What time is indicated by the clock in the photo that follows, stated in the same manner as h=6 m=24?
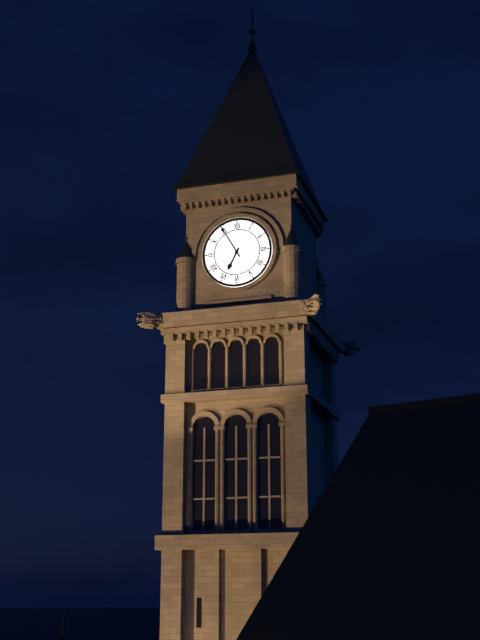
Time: h=6 m=55
